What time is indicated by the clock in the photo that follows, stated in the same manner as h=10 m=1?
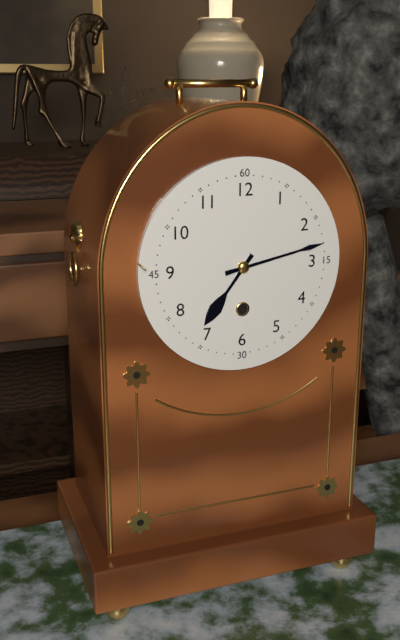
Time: h=7 m=13
